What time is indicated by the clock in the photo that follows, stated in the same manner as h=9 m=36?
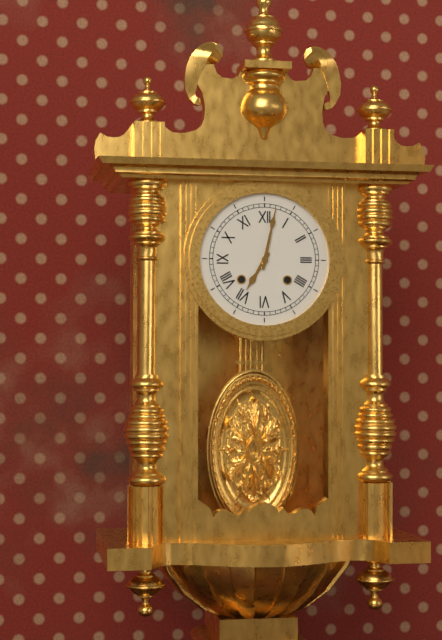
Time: h=7 m=2
